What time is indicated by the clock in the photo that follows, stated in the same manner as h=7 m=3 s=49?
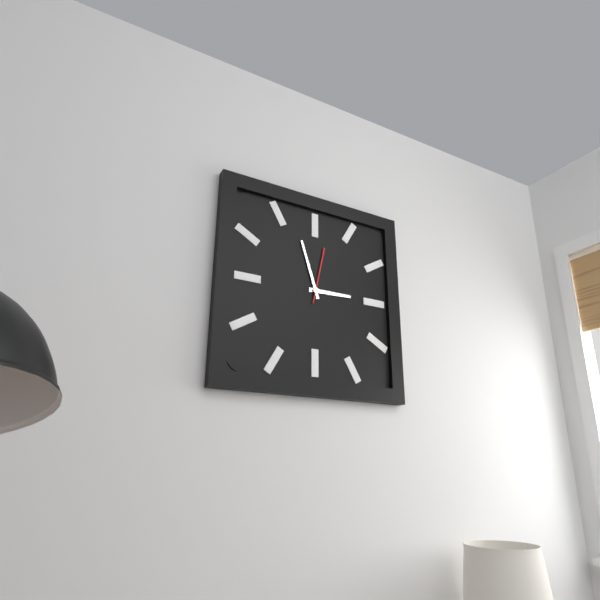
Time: h=2 m=57 s=2
